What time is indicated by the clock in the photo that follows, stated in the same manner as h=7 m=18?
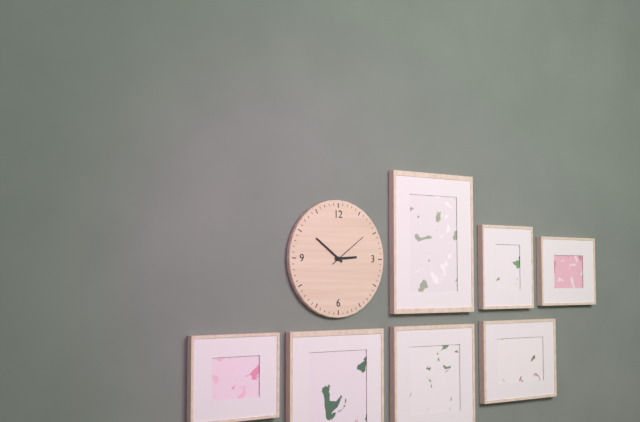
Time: h=2 m=51
